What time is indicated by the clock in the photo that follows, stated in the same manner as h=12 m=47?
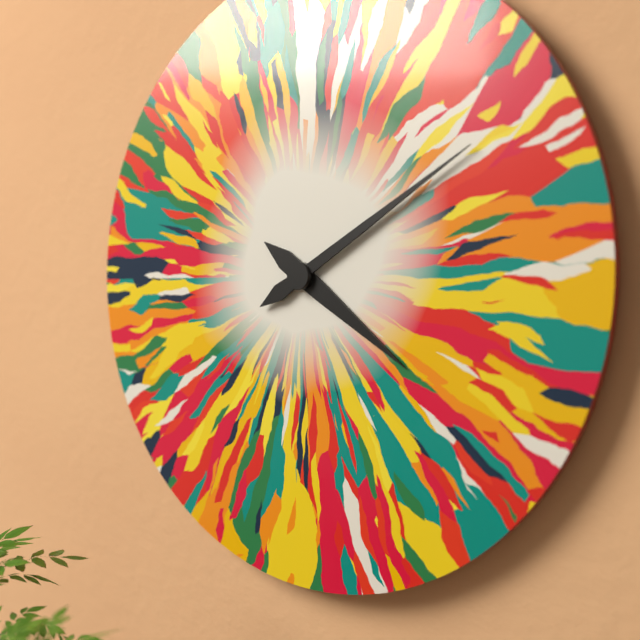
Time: h=4 m=10
